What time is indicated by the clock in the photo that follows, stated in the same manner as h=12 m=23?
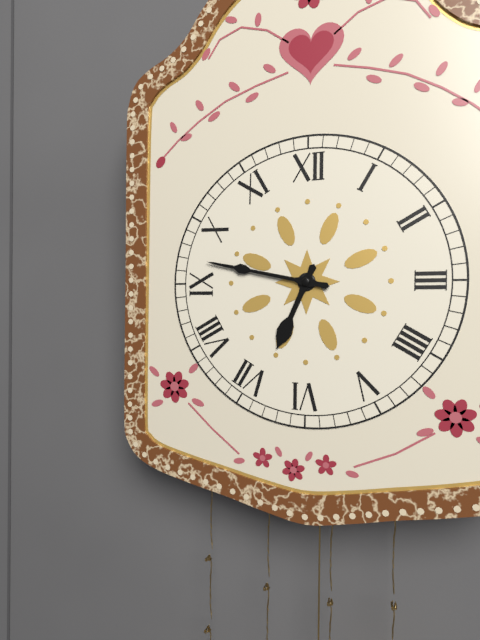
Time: h=6 m=47
